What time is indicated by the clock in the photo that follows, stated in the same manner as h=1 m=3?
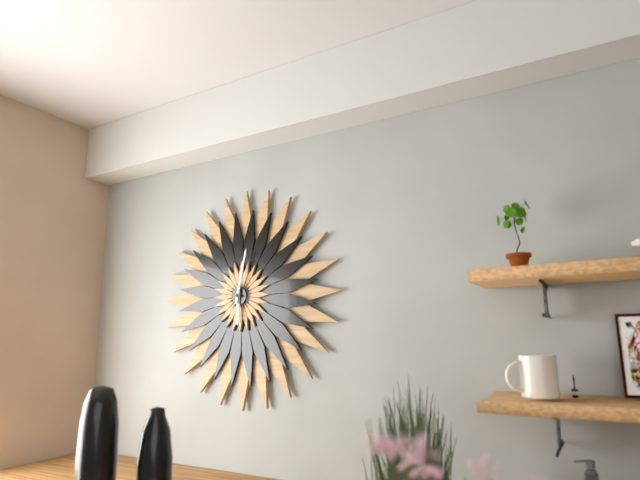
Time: h=6 m=2
